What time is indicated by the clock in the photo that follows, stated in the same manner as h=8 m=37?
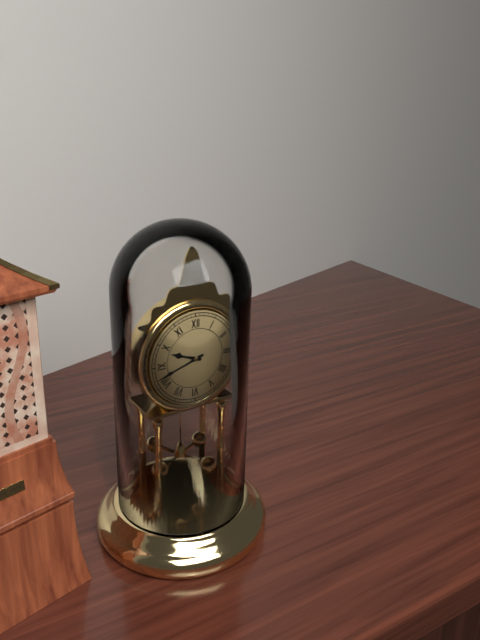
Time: h=9 m=42
